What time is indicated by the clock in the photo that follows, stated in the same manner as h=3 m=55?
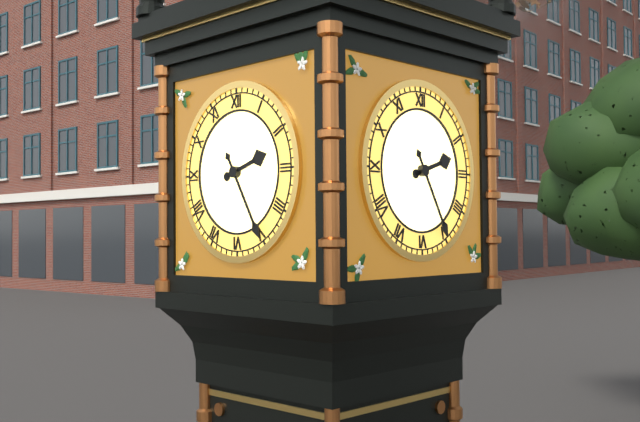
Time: h=2 m=25
